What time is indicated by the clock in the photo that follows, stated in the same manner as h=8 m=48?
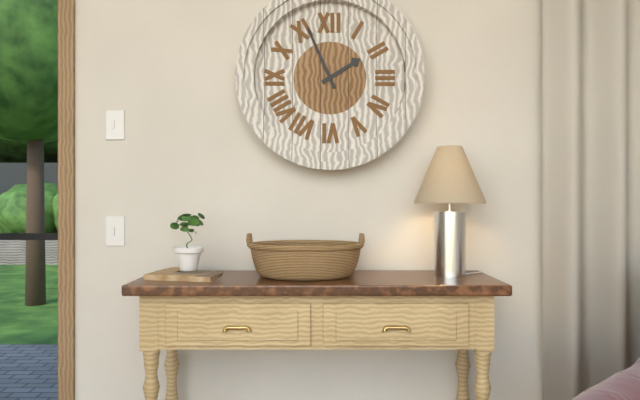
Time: h=1 m=56
